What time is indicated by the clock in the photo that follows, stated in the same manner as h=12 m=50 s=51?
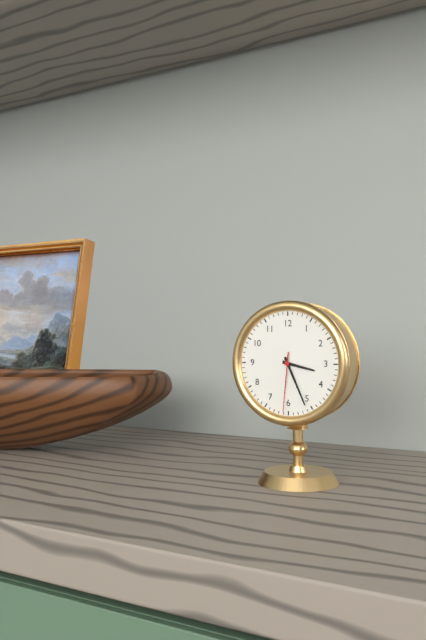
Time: h=3 m=26 s=31
